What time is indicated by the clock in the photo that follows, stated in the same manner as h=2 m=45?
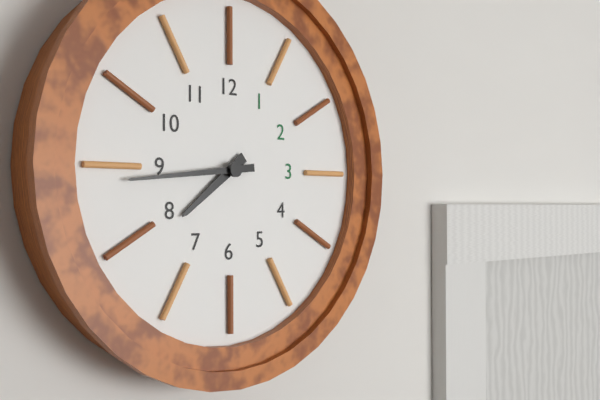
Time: h=7 m=44
